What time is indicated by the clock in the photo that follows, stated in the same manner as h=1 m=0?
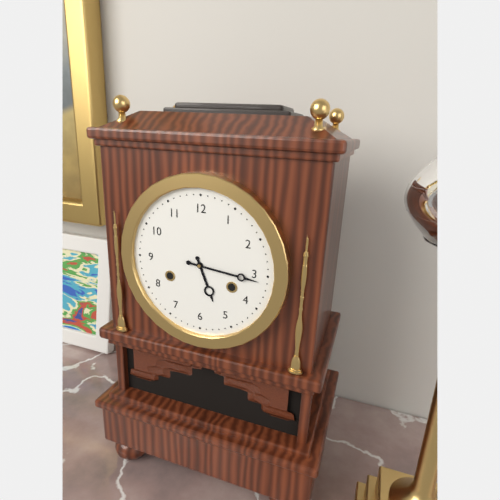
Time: h=5 m=16
